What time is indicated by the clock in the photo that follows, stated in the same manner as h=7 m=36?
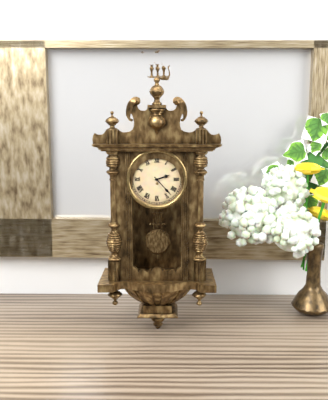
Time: h=2 m=23
